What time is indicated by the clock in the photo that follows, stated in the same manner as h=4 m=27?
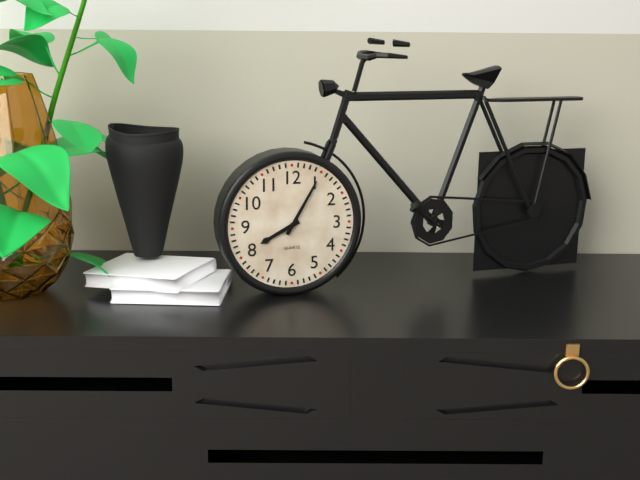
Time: h=8 m=5
